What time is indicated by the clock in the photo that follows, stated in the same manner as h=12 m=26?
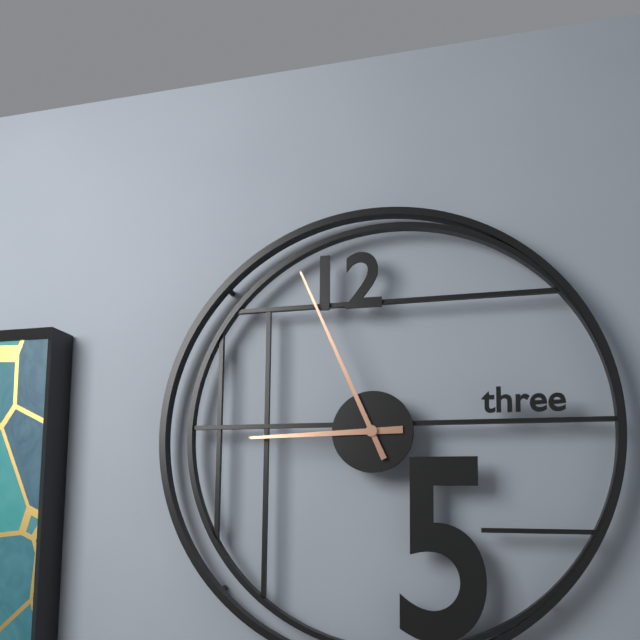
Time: h=8 m=56
